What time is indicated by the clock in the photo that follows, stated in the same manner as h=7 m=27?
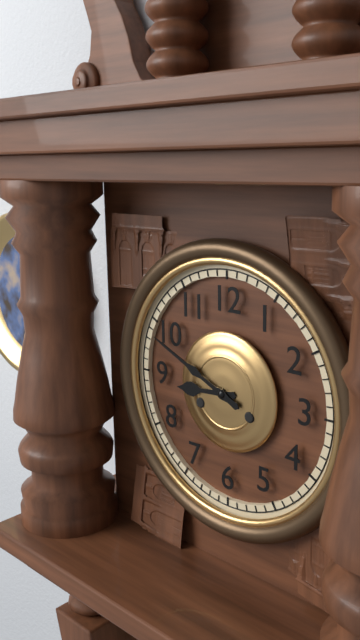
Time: h=8 m=49
